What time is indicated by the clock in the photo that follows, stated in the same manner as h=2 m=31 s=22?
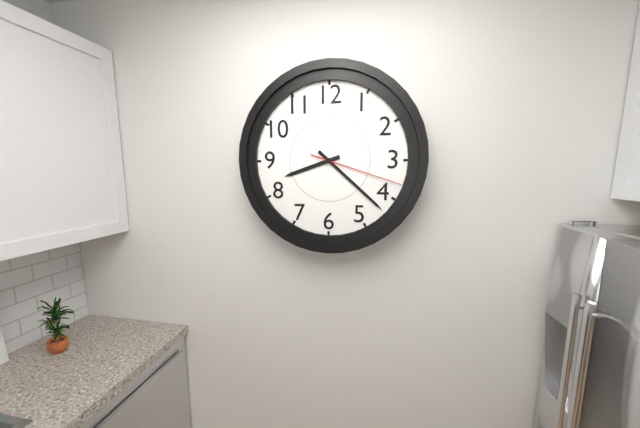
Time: h=8 m=22 s=18
